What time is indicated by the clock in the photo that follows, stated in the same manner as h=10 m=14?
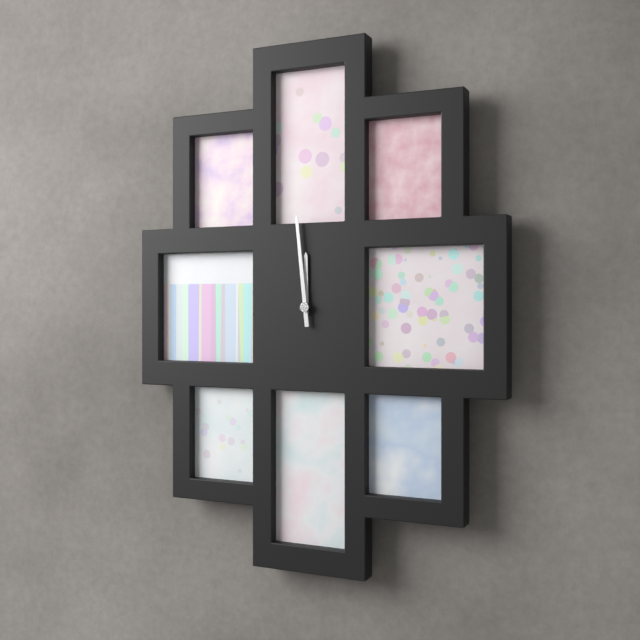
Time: h=11 m=59
